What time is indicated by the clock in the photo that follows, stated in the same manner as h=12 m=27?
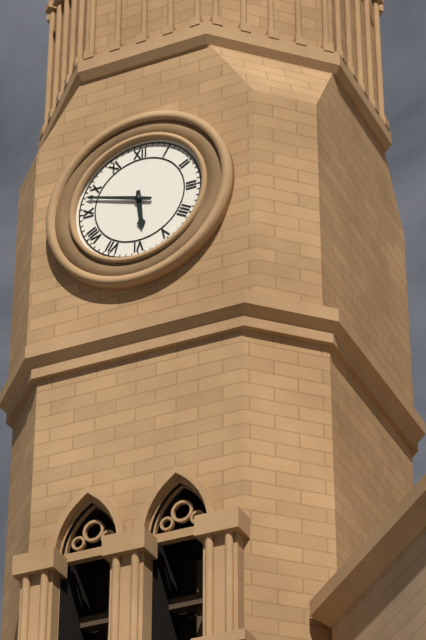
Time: h=5 m=48
